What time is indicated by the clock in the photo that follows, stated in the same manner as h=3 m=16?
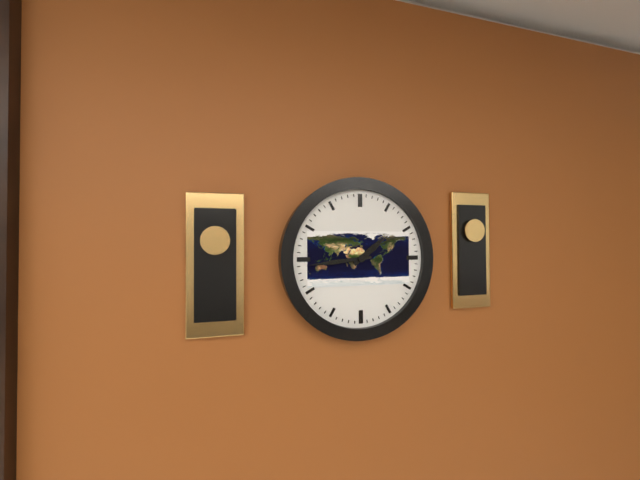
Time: h=1 m=44
